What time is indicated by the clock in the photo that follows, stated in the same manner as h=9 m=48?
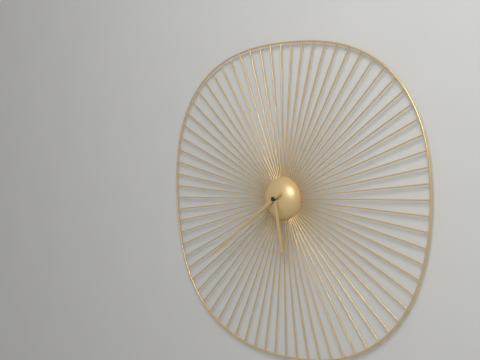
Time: h=5 m=39
